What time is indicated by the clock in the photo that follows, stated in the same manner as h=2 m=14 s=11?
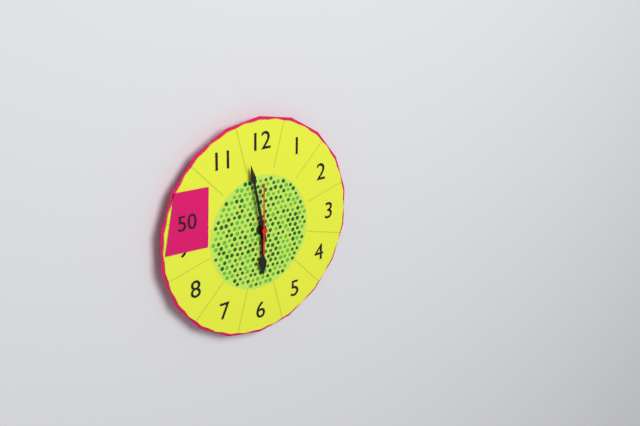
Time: h=5 m=58 s=0
